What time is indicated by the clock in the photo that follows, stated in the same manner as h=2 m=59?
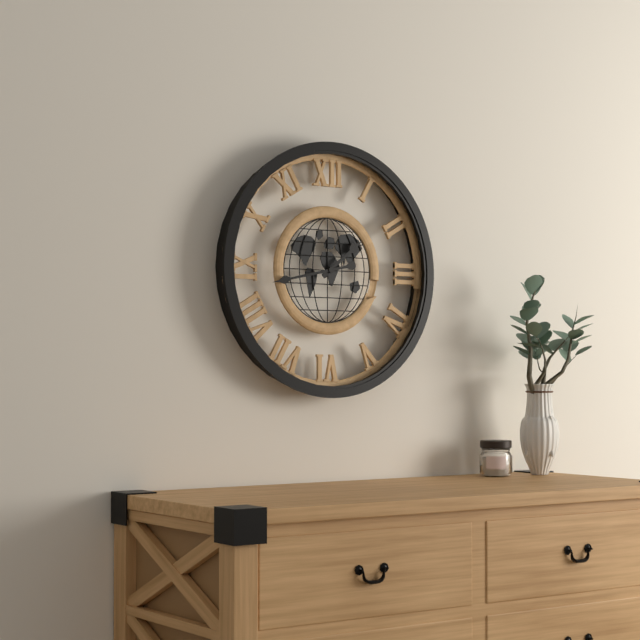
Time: h=1 m=43
